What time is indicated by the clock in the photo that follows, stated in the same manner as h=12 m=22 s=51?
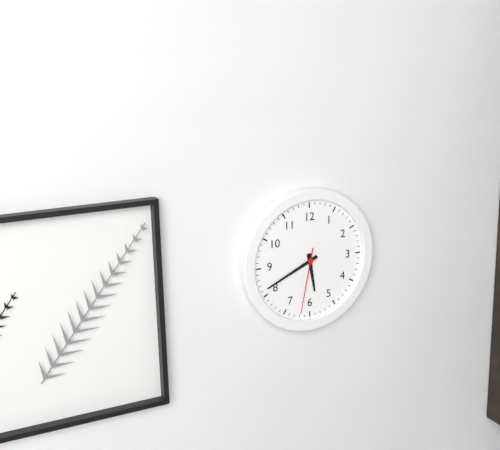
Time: h=5 m=41 s=32
